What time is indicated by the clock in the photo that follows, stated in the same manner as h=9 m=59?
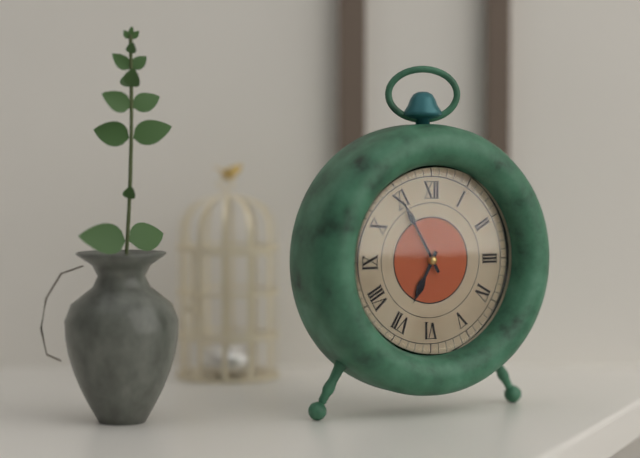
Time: h=6 m=55
